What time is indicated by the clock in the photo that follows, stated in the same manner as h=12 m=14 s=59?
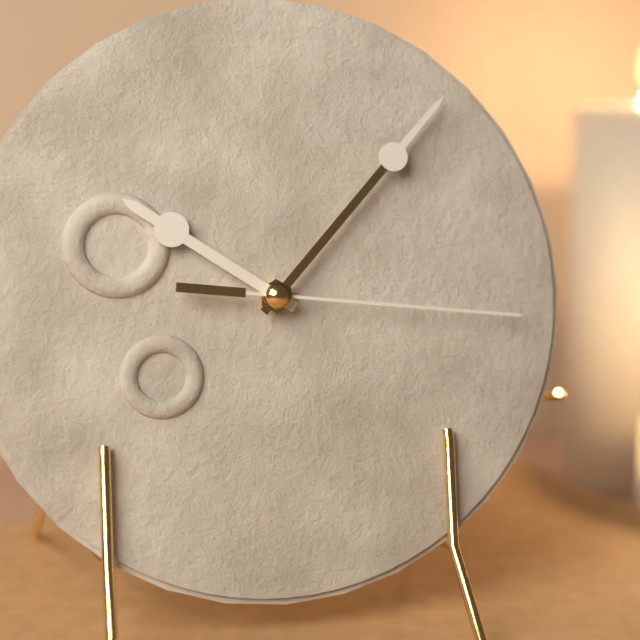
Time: h=10 m=7 s=16
